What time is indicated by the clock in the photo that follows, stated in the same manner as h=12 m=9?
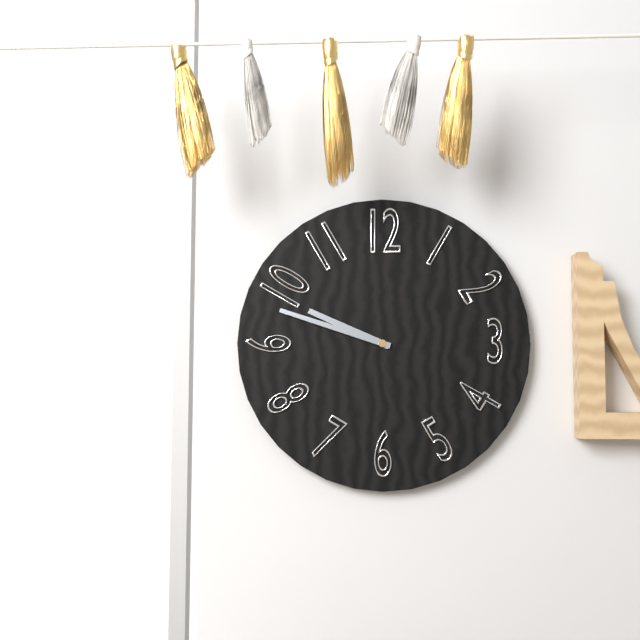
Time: h=9 m=48
